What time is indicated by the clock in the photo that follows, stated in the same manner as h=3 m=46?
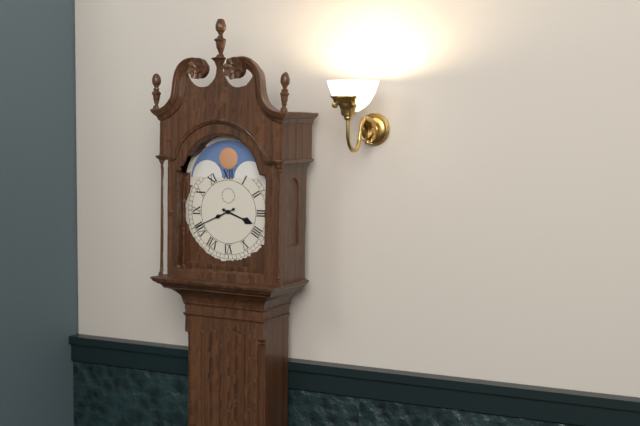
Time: h=3 m=41
